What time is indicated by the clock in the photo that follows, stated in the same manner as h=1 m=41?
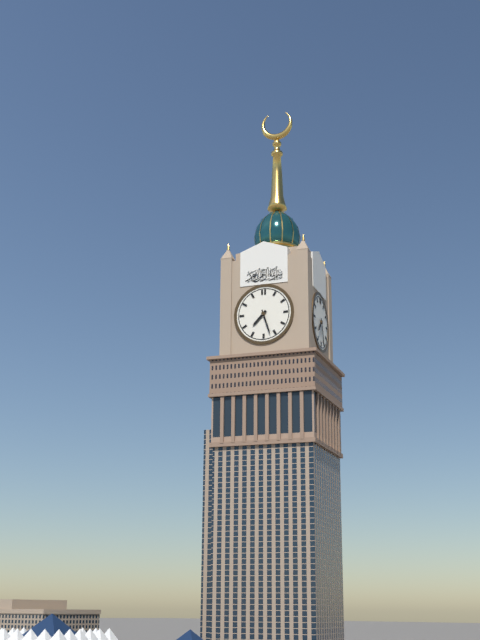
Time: h=7 m=27
